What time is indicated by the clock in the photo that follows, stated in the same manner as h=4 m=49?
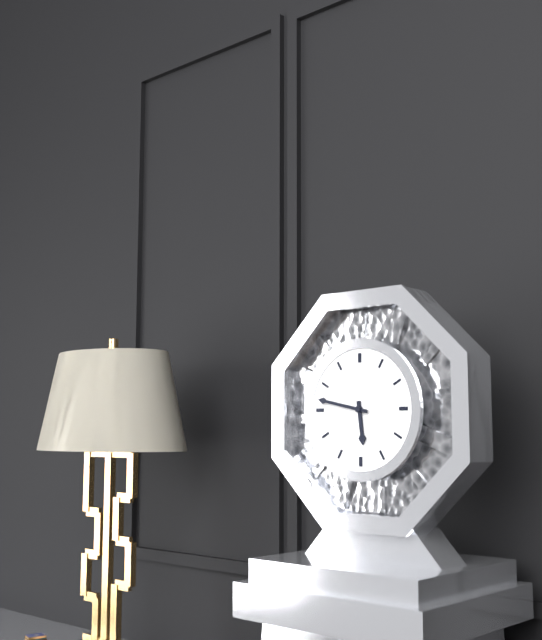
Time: h=5 m=47
